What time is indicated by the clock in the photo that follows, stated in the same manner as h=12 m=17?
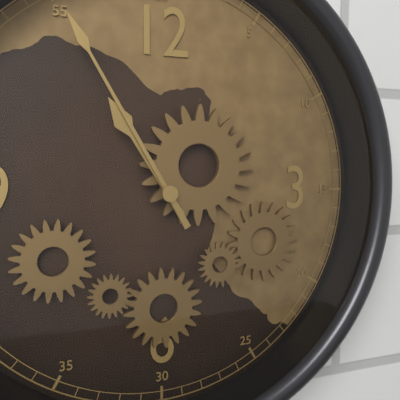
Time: h=10 m=55
